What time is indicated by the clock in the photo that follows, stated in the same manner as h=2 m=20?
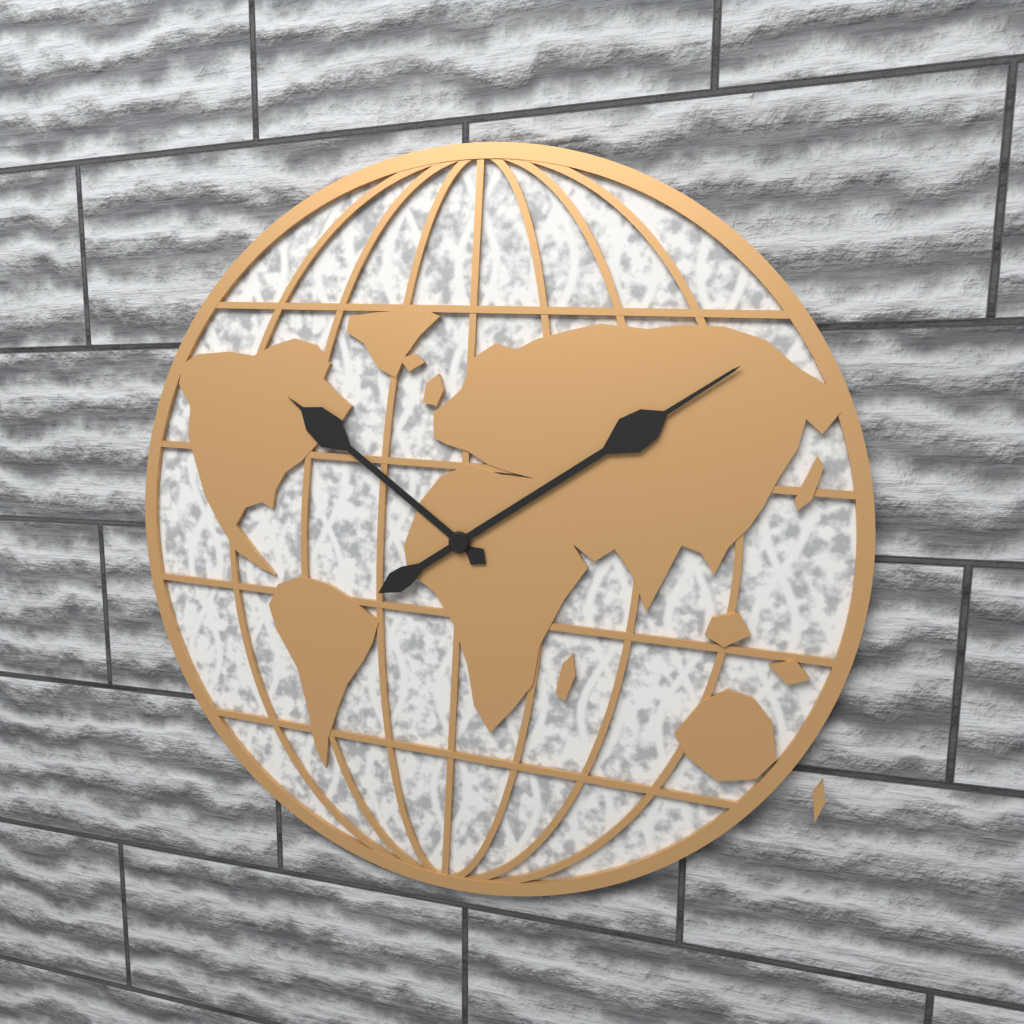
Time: h=10 m=9
